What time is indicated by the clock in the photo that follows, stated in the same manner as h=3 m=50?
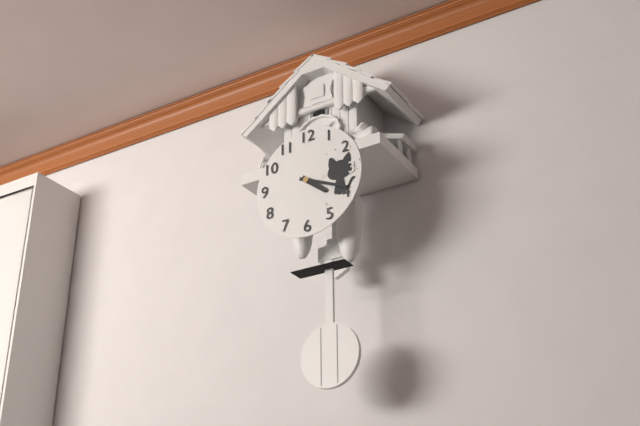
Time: h=4 m=19
